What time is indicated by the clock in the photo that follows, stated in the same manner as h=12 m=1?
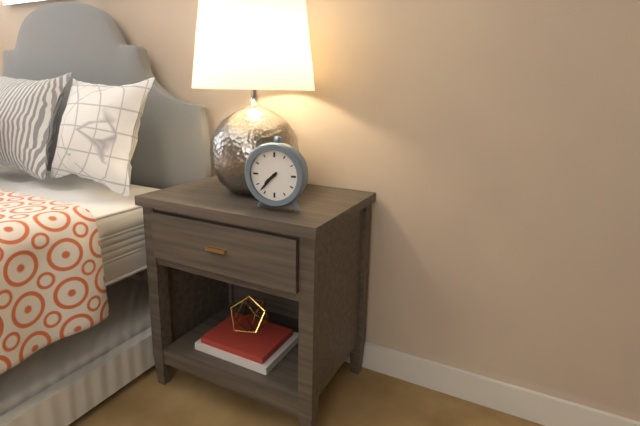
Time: h=7 m=37
